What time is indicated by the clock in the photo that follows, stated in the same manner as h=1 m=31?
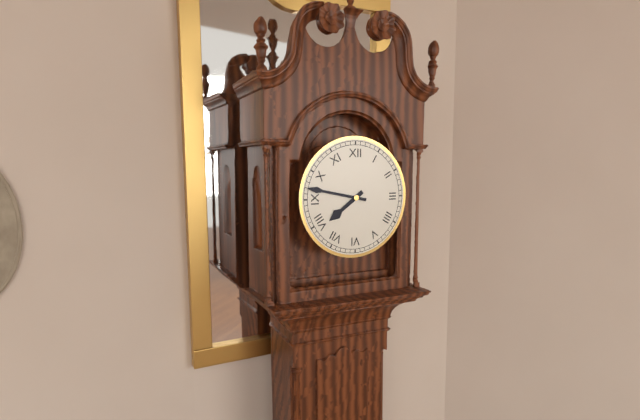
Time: h=7 m=47
